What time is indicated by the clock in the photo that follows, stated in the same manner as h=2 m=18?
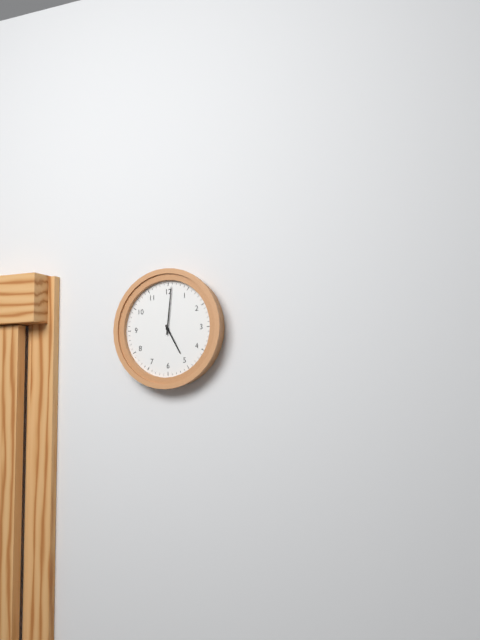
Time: h=5 m=1
